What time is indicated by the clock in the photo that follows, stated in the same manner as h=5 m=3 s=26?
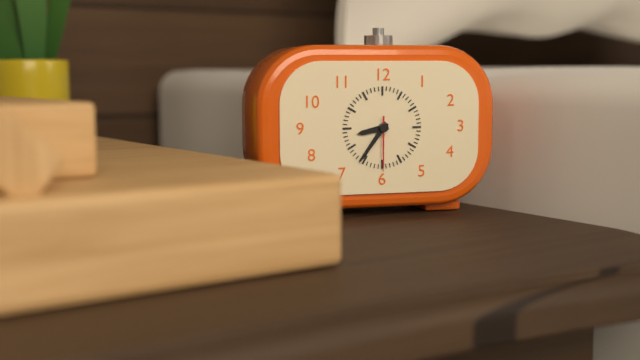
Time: h=8 m=36 s=30
